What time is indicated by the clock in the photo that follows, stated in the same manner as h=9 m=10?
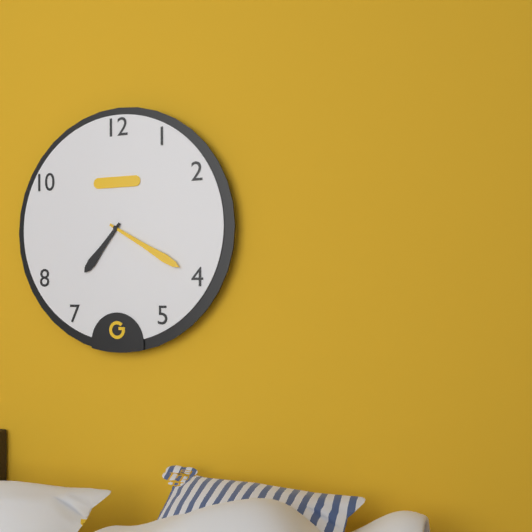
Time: h=7 m=20
